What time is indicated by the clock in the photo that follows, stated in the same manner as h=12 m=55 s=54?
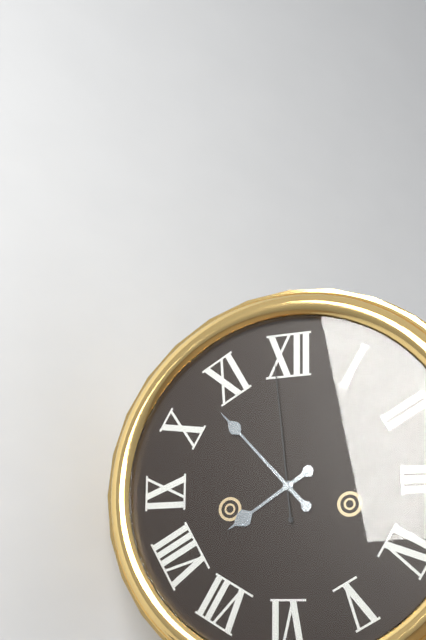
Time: h=7 m=53 s=59
